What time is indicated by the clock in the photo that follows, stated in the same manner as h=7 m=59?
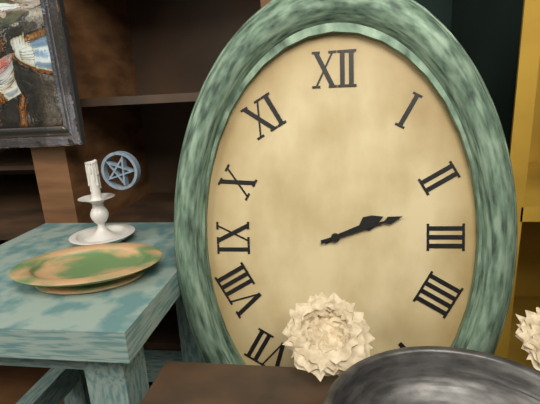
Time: h=2 m=12
